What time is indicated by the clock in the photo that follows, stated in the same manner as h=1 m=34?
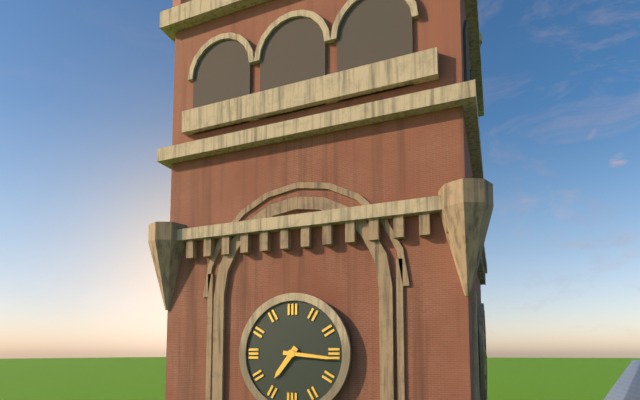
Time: h=7 m=16
